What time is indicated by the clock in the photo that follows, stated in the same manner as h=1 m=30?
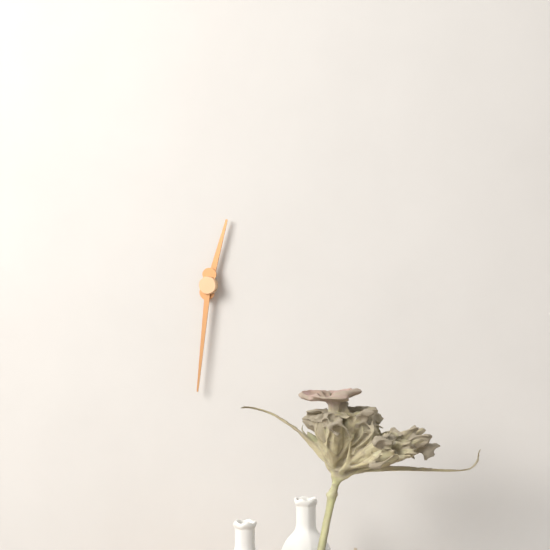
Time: h=12 m=31
